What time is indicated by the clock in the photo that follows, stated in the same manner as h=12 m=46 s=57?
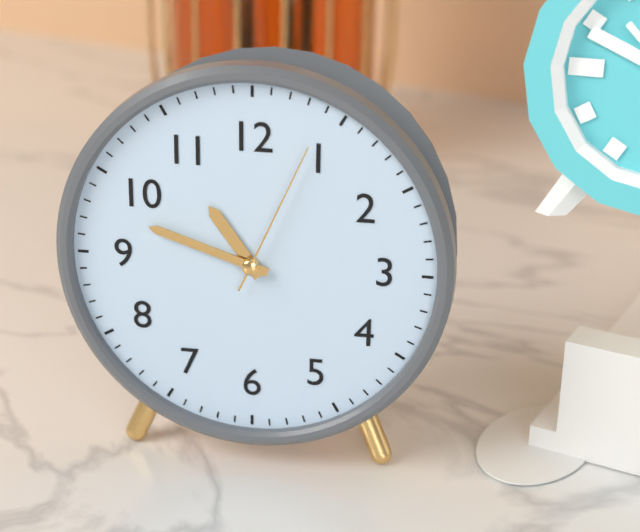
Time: h=10 m=48 s=4
